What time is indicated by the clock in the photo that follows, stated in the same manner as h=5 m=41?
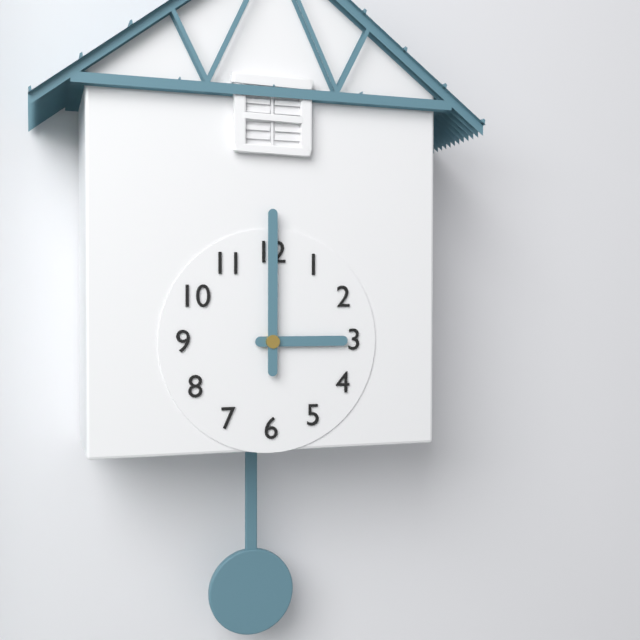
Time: h=3 m=0
